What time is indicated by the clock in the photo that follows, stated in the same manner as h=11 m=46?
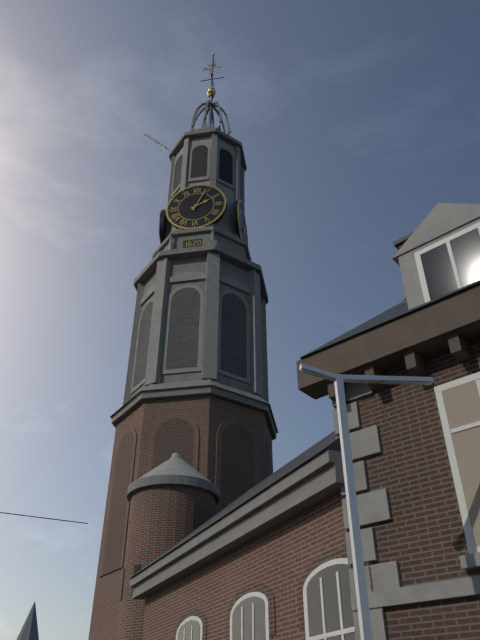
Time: h=2 m=4
